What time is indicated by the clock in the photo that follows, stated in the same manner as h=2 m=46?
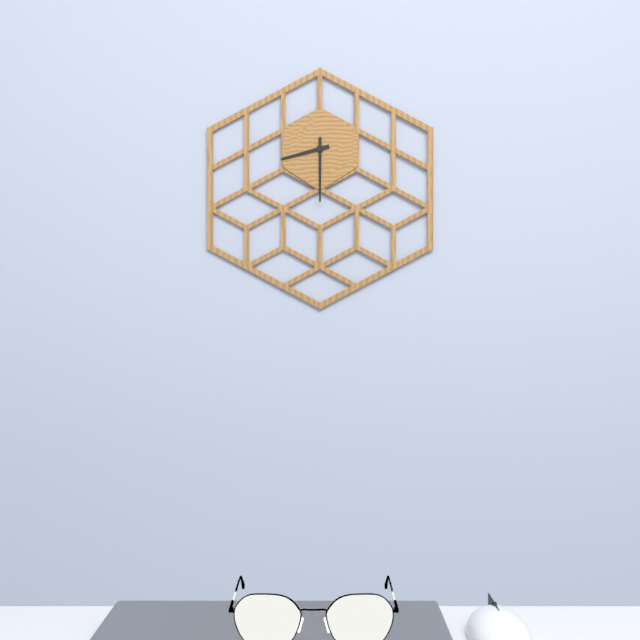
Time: h=8 m=30
